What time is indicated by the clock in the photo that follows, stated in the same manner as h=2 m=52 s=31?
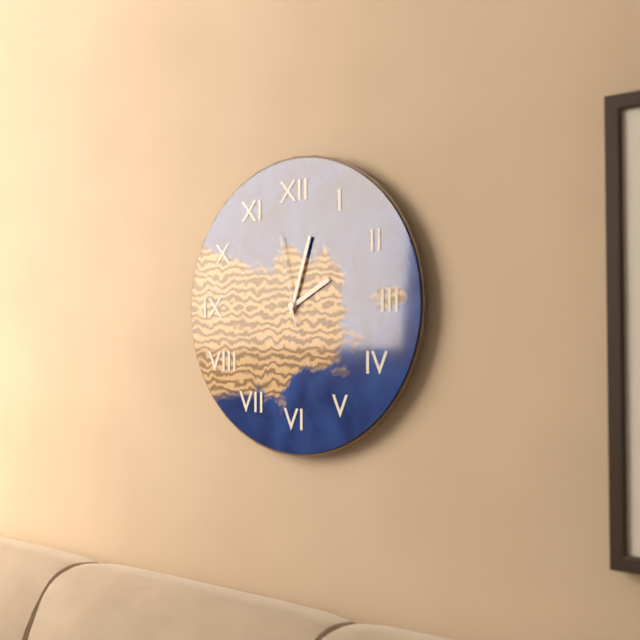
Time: h=2 m=3 s=58
